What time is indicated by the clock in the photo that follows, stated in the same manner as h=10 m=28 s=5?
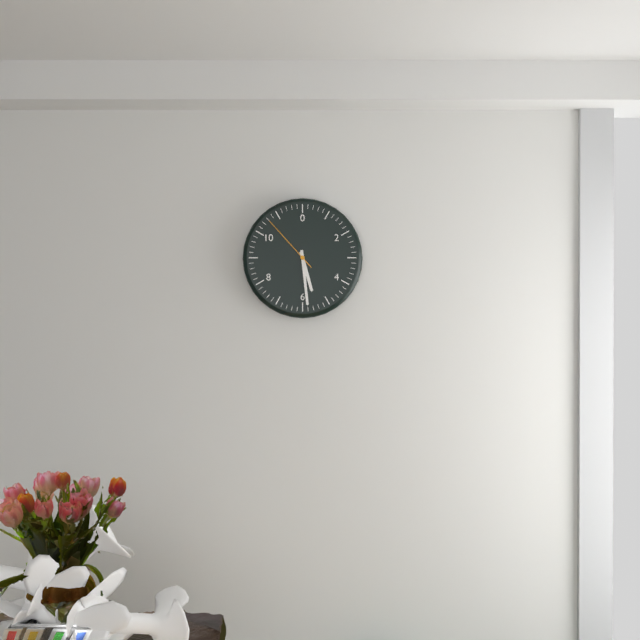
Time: h=5 m=29 s=53
